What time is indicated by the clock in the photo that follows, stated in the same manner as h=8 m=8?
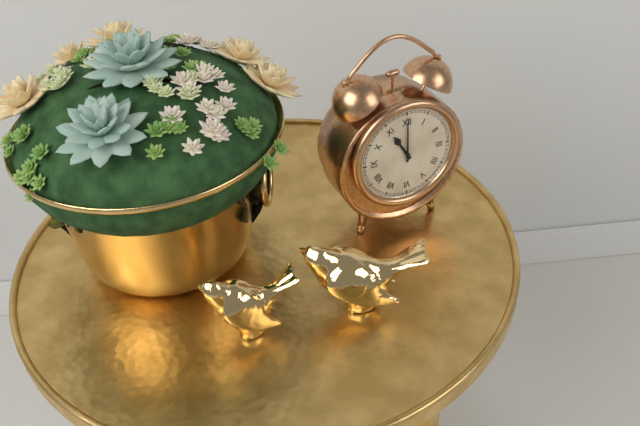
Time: h=11 m=0
